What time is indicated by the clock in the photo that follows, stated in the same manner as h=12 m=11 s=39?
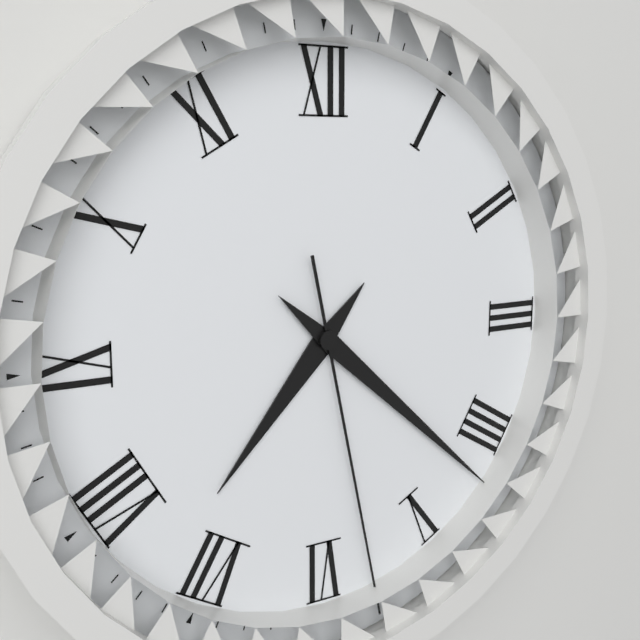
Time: h=7 m=22 s=28
